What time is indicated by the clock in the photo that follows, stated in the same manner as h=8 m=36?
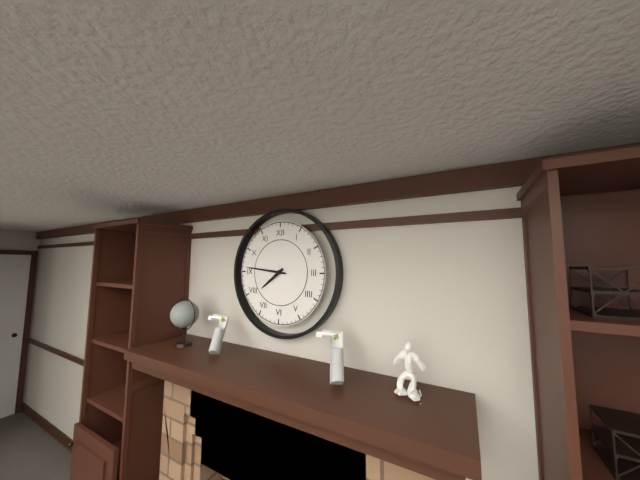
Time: h=7 m=46
